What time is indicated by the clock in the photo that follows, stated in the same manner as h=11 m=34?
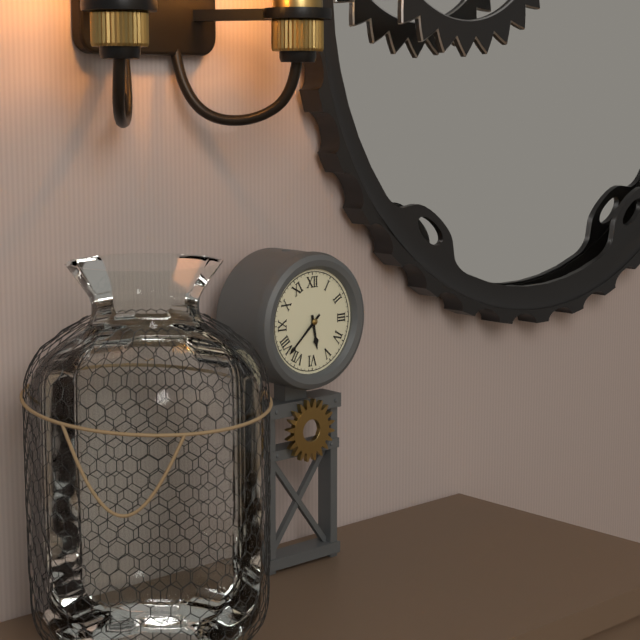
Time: h=5 m=38
